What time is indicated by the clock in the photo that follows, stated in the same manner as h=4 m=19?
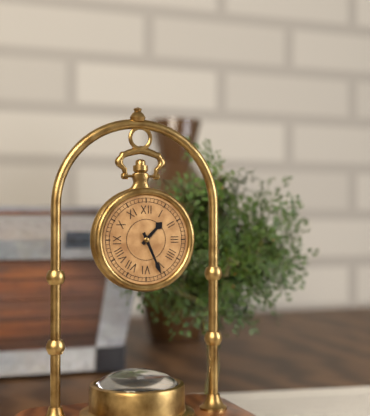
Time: h=1 m=26
